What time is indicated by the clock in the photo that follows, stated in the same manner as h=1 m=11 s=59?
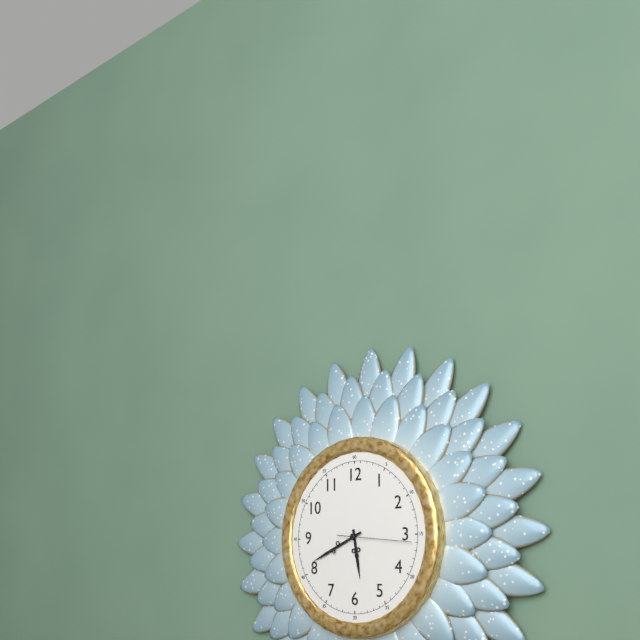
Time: h=5 m=41 s=16
